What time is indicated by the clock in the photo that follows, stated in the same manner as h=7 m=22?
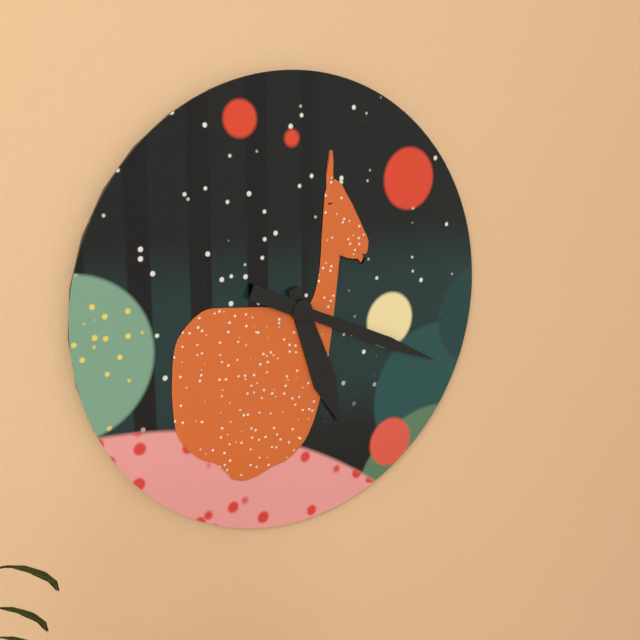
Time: h=5 m=19
